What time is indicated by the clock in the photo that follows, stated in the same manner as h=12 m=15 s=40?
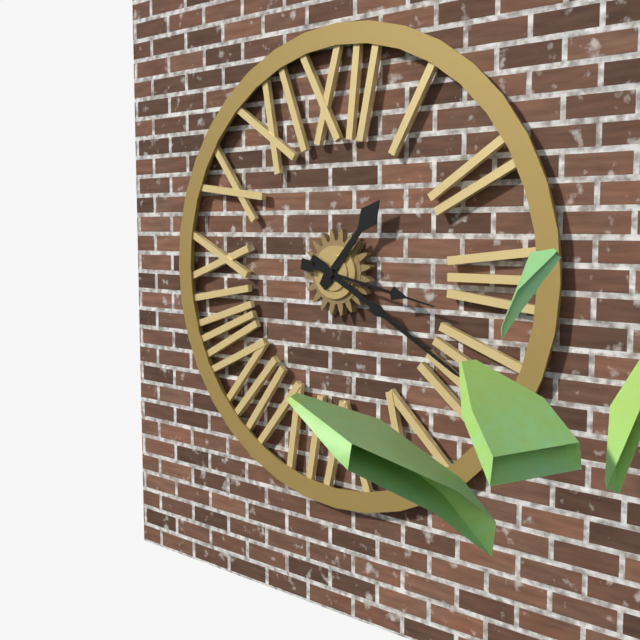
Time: h=1 m=20 s=17
